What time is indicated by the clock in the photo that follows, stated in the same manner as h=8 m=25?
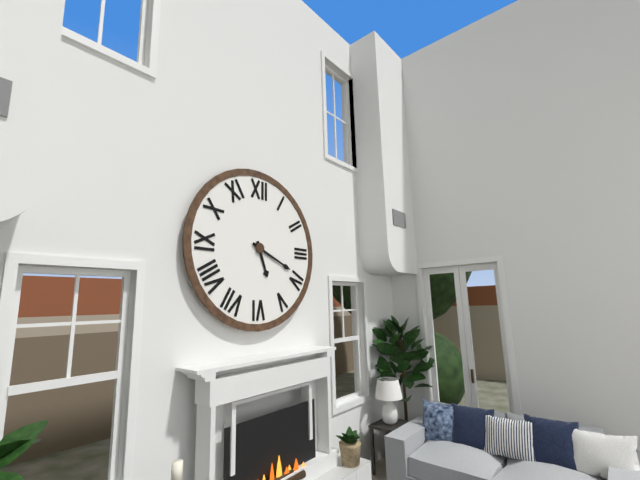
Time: h=5 m=19
